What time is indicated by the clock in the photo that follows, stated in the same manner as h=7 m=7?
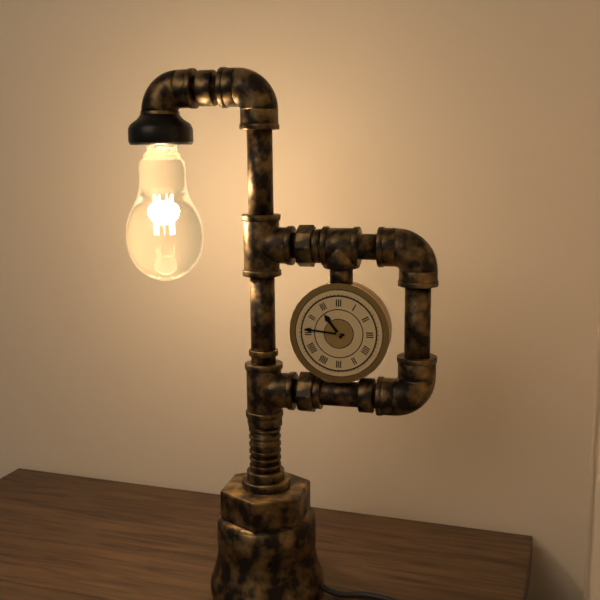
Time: h=10 m=46
